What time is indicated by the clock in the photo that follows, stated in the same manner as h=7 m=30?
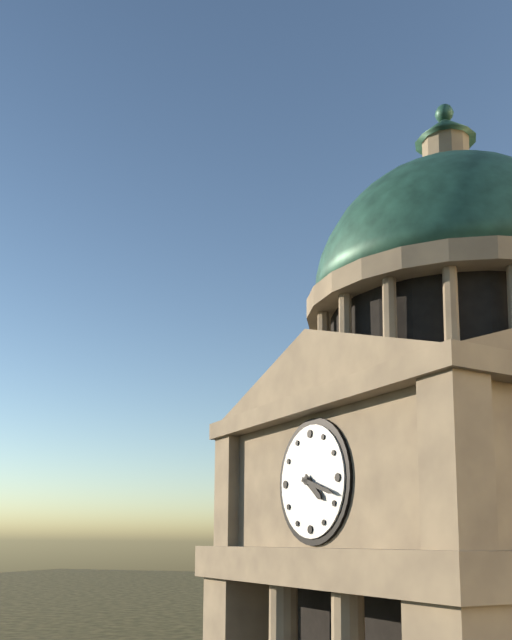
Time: h=4 m=18
